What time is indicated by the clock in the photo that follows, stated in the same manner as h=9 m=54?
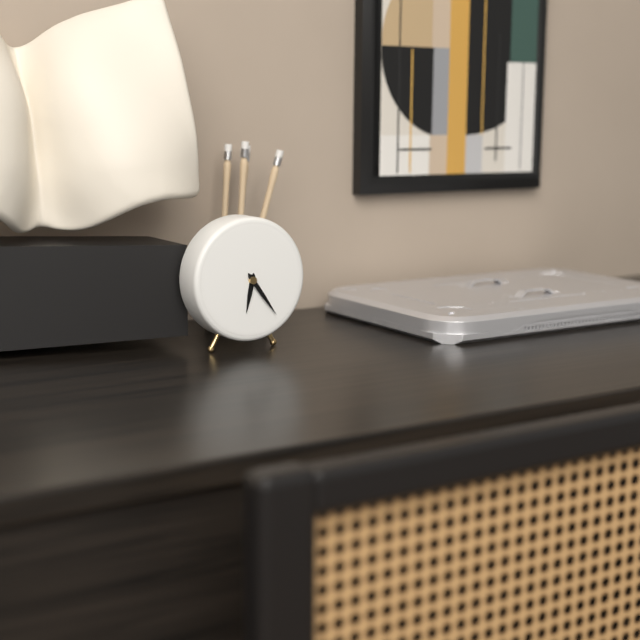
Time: h=6 m=24
